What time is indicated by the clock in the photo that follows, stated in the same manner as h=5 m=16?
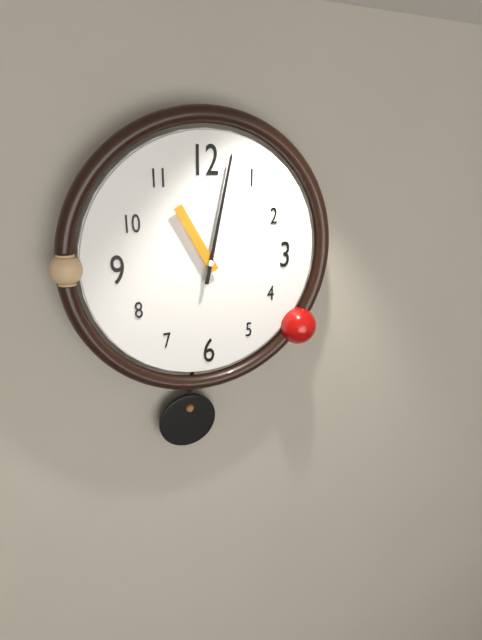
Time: h=11 m=2
